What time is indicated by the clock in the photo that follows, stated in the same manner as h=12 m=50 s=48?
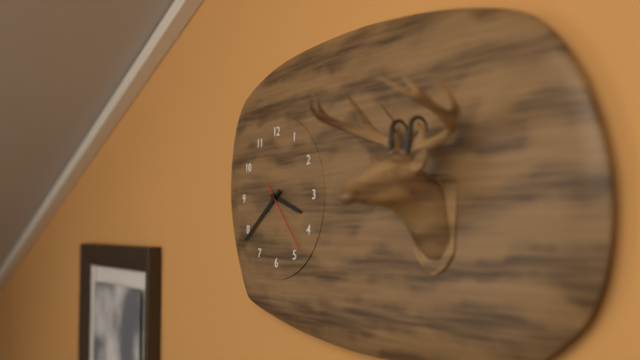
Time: h=3 m=39 s=23
